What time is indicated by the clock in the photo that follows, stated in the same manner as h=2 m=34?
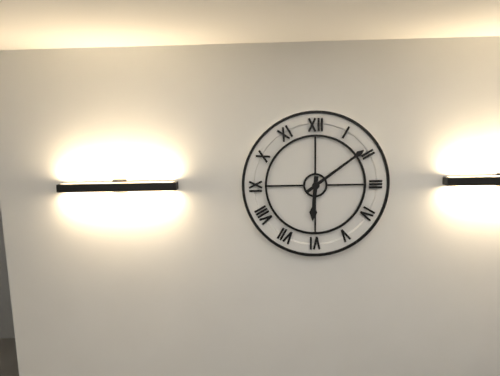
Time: h=6 m=9
